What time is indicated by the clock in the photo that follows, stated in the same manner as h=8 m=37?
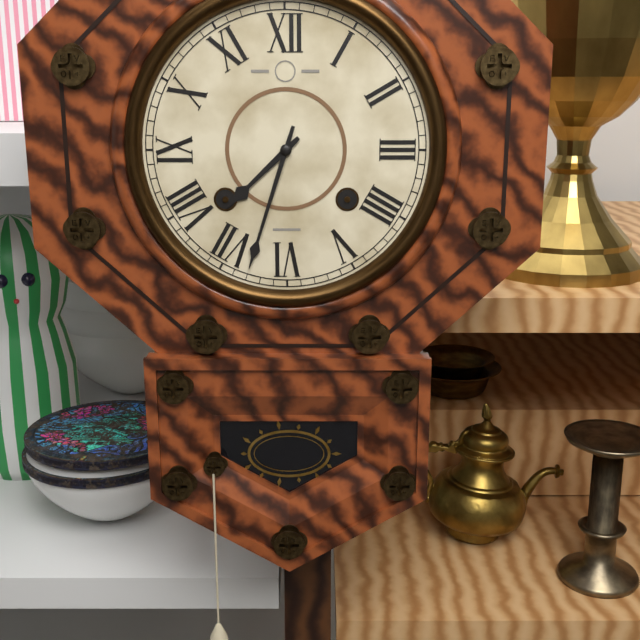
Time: h=7 m=33
